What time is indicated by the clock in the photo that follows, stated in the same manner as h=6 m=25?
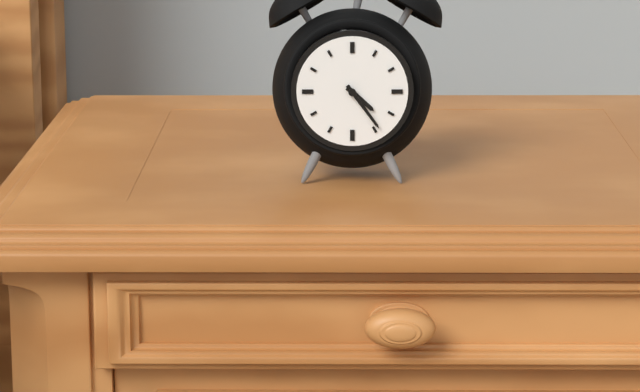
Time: h=4 m=24
